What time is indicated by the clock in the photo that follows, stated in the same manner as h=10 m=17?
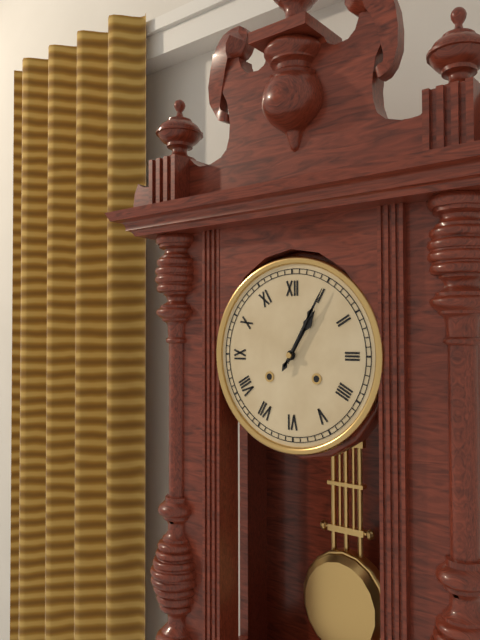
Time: h=1 m=5
